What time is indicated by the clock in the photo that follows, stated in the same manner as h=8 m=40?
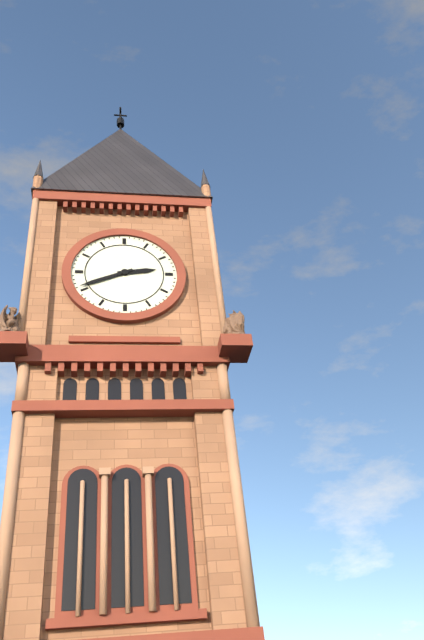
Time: h=2 m=41
